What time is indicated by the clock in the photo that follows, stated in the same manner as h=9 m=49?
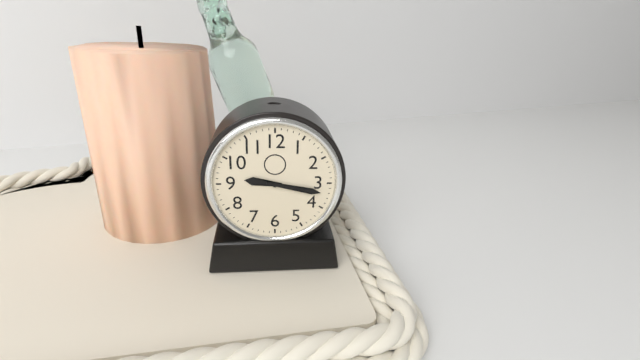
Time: h=9 m=17
